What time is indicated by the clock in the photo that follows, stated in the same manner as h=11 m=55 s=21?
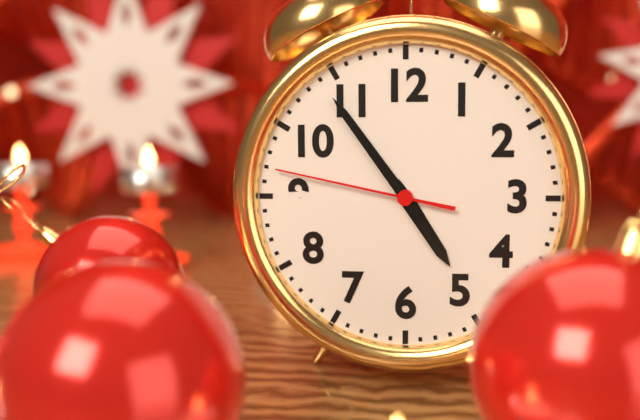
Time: h=4 m=54 s=47
